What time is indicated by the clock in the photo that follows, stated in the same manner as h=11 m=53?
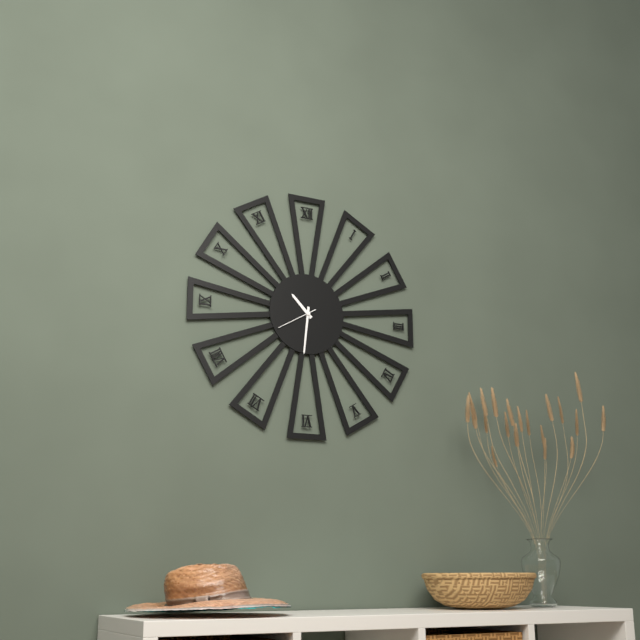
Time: h=10 m=31
